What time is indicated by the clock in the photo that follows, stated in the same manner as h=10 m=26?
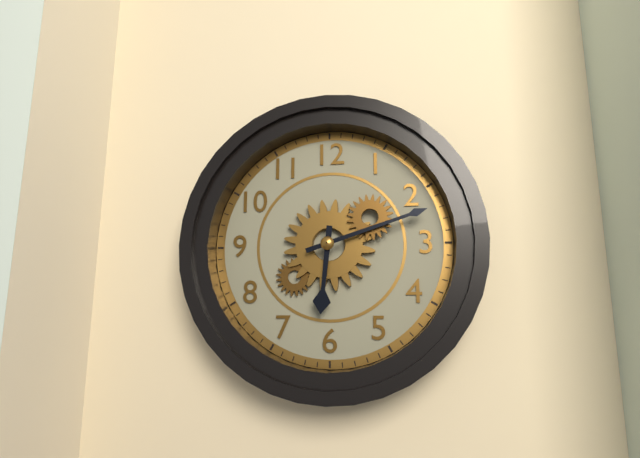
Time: h=6 m=12
